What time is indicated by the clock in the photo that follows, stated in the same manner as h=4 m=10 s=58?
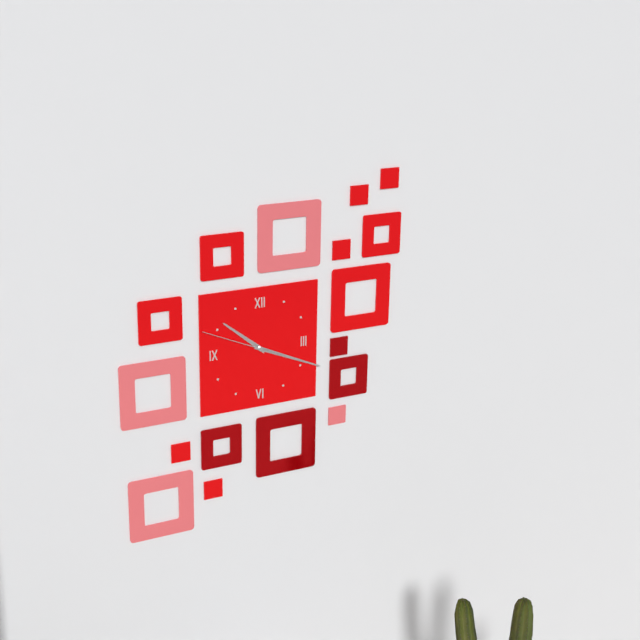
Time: h=10 m=19 s=49
